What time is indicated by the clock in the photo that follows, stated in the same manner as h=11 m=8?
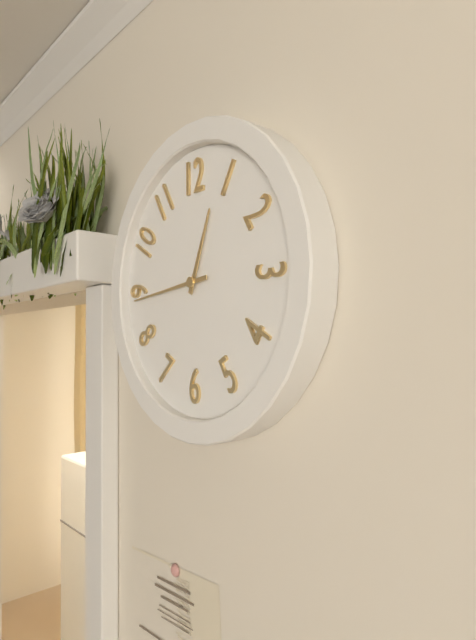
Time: h=12 m=44
